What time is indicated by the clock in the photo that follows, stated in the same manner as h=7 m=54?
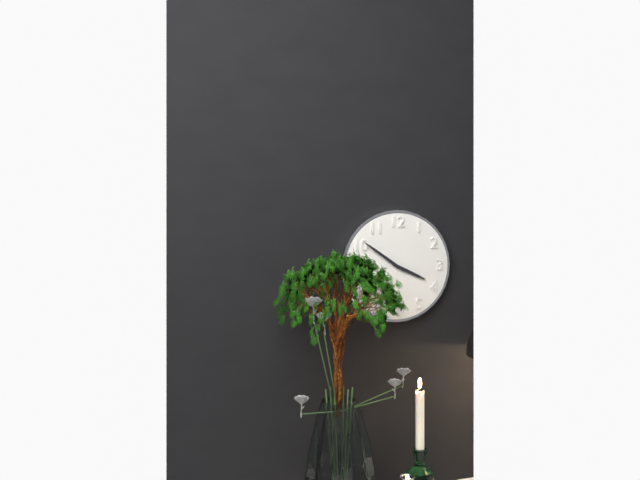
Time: h=3 m=51
